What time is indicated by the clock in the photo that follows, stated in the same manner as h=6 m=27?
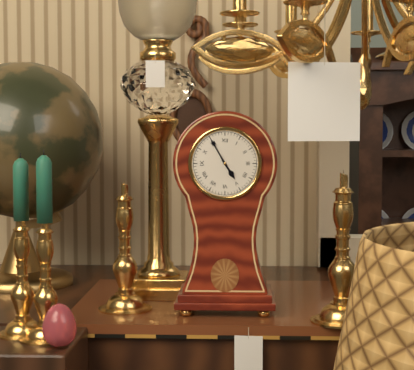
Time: h=4 m=55
